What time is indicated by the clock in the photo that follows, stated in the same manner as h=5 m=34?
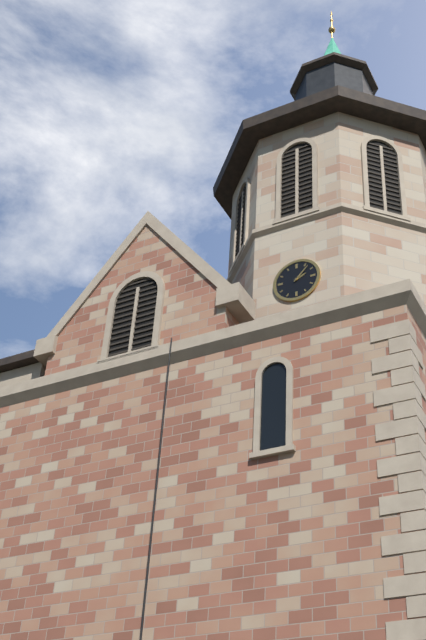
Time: h=2 m=7
